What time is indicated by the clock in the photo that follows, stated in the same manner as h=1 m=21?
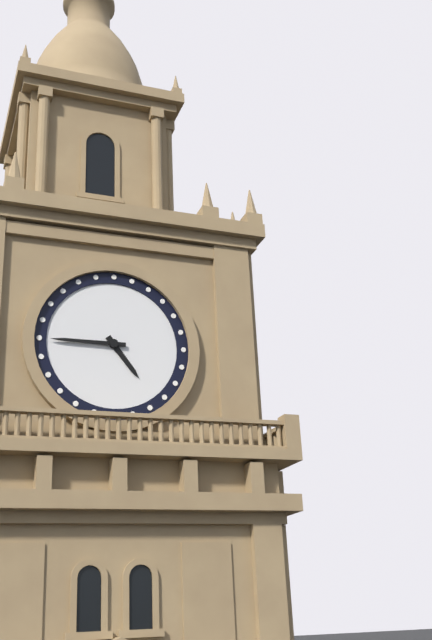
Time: h=4 m=45
